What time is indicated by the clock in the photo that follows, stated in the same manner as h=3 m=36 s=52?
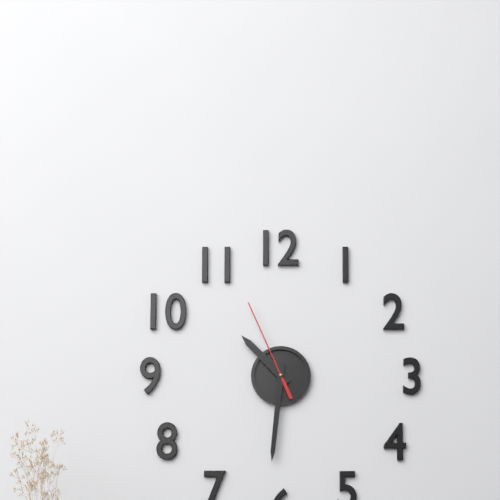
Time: h=10 m=31 s=56
